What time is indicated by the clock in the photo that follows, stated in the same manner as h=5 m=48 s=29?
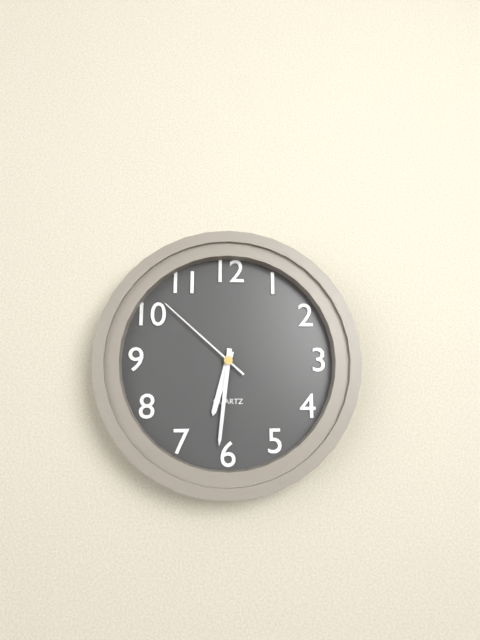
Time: h=6 m=31 s=52
